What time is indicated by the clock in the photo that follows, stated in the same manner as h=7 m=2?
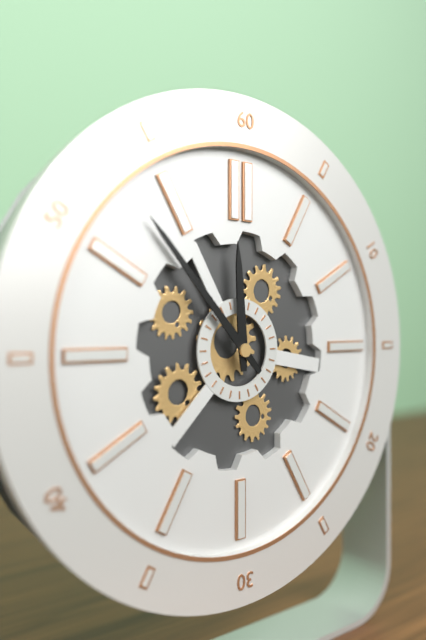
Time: h=11 m=53
